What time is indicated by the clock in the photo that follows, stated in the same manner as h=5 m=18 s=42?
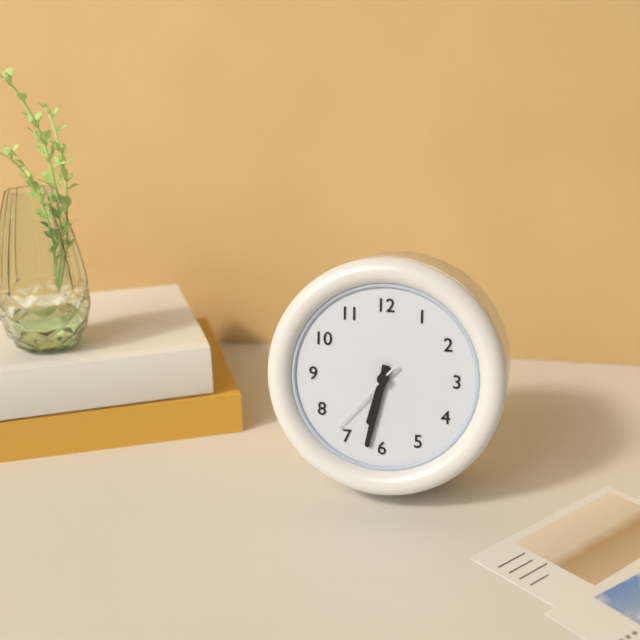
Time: h=6 m=32 s=37
